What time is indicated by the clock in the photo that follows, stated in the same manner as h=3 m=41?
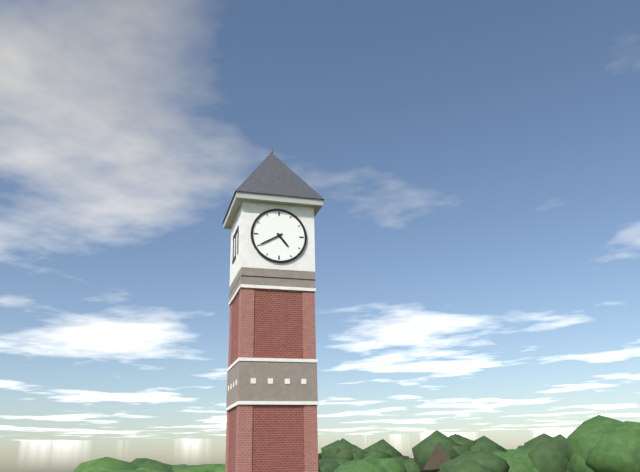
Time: h=4 m=40
